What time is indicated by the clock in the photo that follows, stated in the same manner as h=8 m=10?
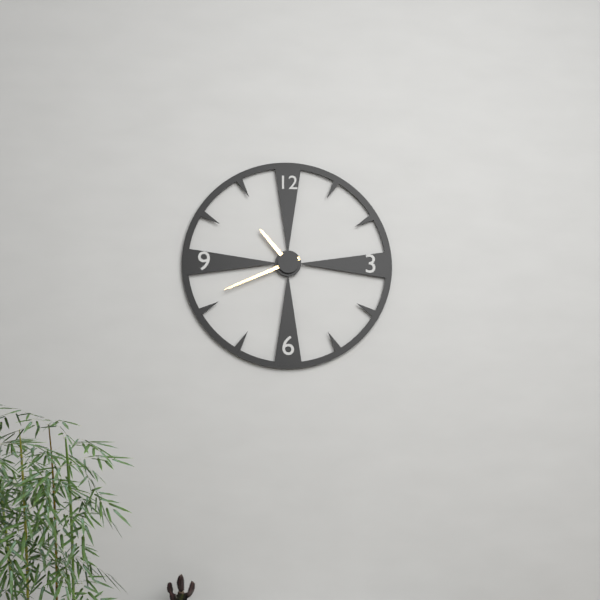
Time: h=10 m=41
